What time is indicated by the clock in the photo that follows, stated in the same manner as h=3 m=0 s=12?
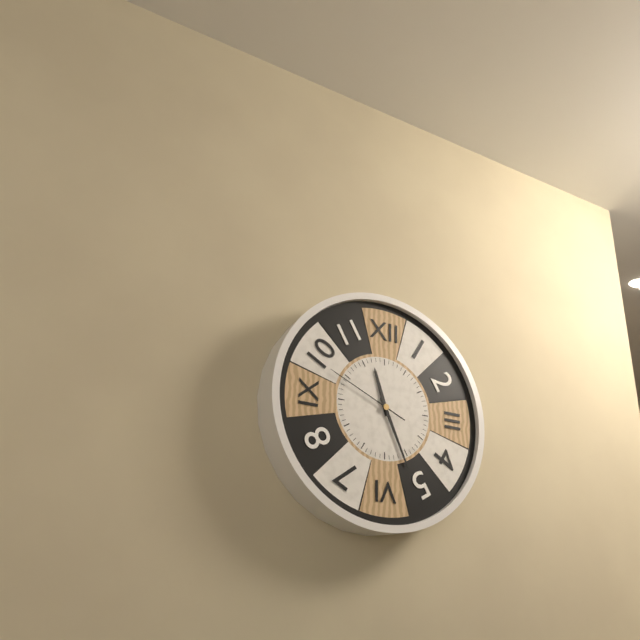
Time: h=11 m=26 s=49
